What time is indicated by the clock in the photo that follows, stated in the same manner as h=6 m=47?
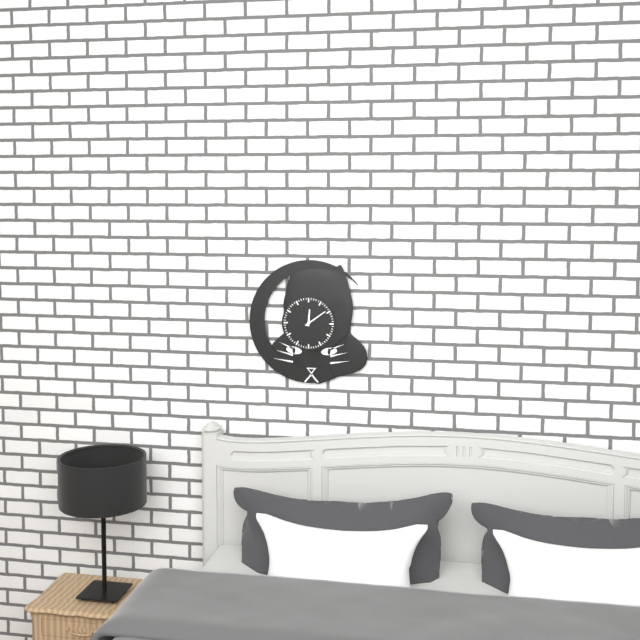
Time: h=12 m=9
